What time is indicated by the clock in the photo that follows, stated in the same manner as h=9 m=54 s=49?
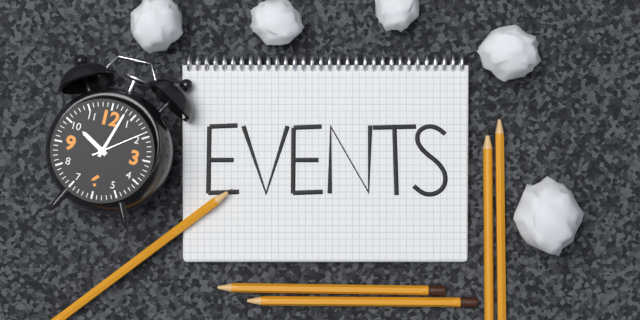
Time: h=10 m=3 s=9
